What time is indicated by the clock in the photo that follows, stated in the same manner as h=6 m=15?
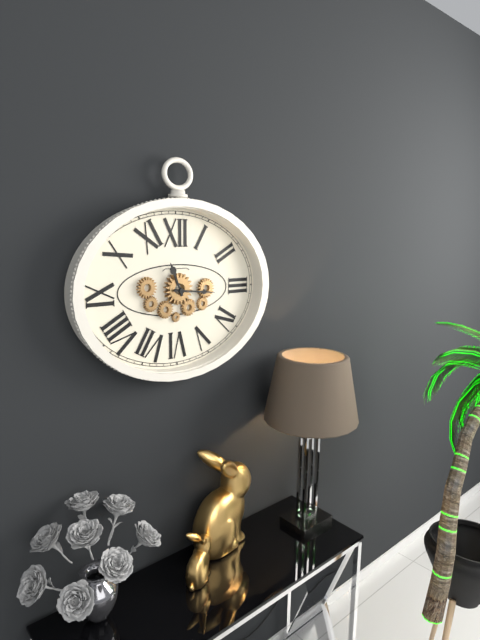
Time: h=11 m=16
